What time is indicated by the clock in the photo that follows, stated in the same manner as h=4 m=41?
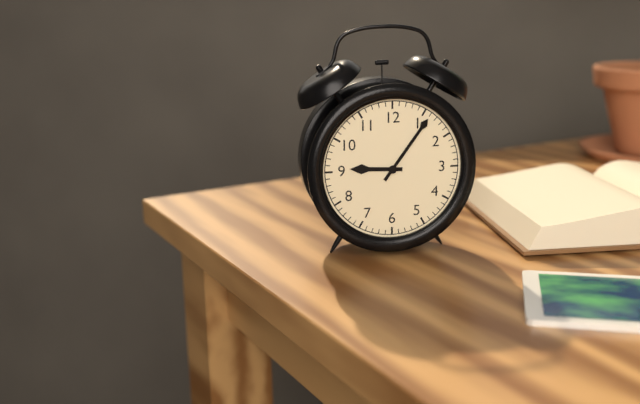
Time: h=9 m=6
